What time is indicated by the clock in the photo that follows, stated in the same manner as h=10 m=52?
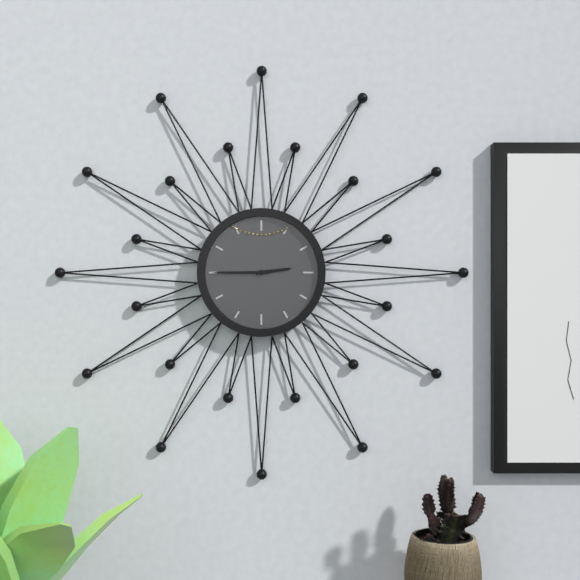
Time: h=2 m=45
